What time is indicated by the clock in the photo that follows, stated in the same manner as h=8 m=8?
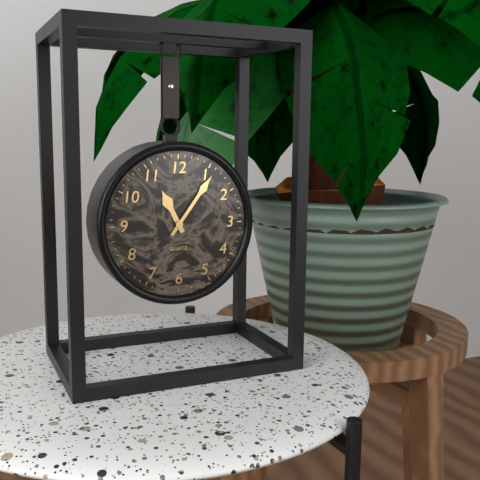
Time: h=11 m=6
